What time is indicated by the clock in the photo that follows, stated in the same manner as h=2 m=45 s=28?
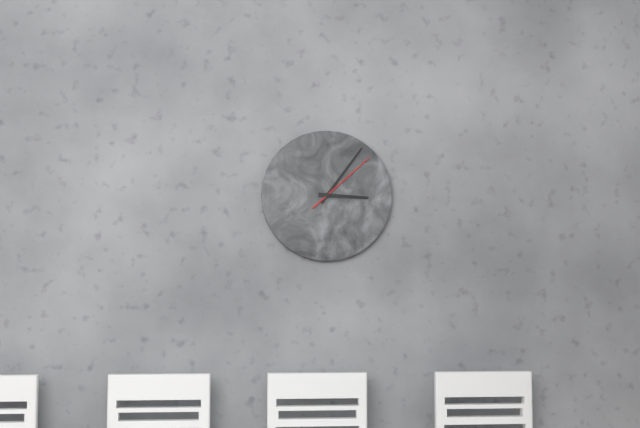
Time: h=3 m=6 s=8
